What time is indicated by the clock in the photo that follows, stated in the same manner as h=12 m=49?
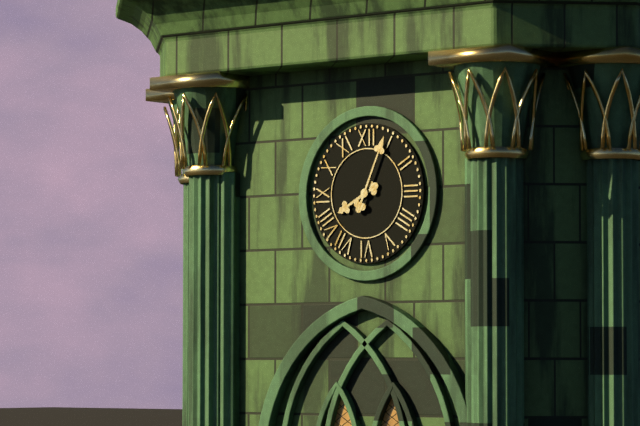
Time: h=8 m=4
